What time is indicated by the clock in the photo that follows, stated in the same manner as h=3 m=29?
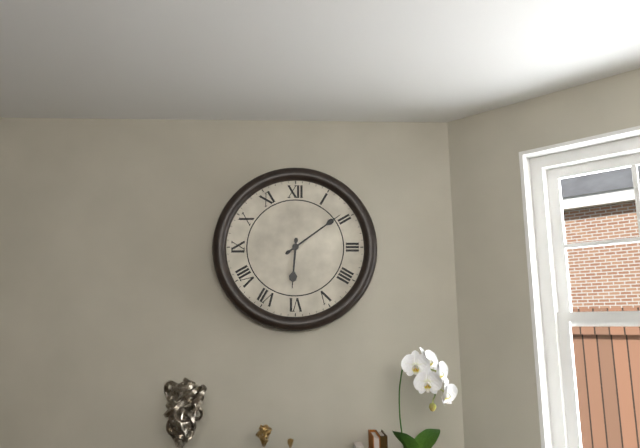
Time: h=6 m=9
